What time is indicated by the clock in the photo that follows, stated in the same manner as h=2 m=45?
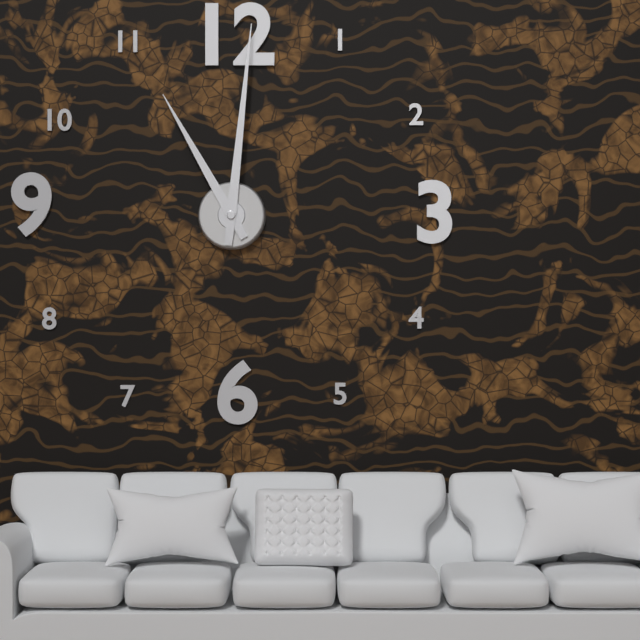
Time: h=11 m=1
